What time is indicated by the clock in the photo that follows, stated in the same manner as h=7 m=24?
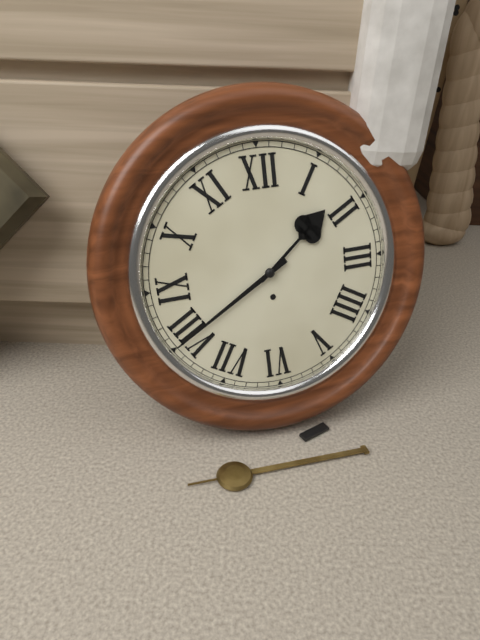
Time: h=1 m=40
